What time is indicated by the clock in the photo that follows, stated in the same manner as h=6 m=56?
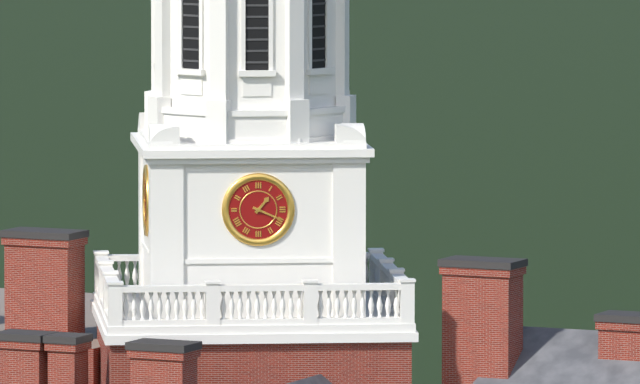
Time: h=1 m=19
